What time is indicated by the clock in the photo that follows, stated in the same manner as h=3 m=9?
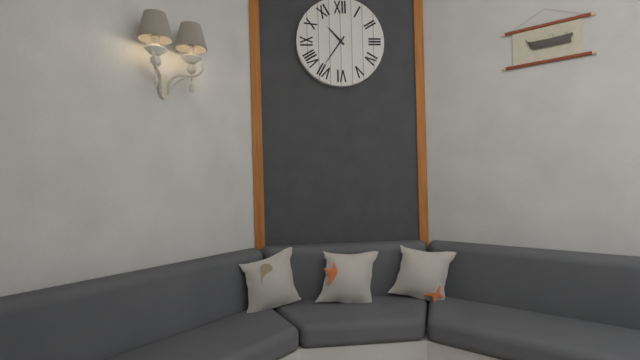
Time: h=10 m=36
